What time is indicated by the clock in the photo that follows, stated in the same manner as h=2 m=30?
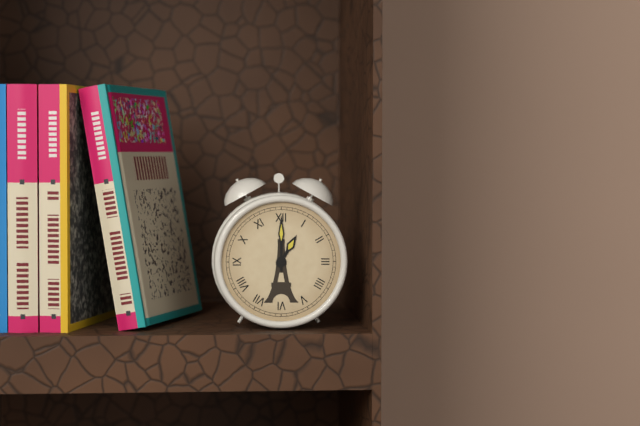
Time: h=1 m=0
